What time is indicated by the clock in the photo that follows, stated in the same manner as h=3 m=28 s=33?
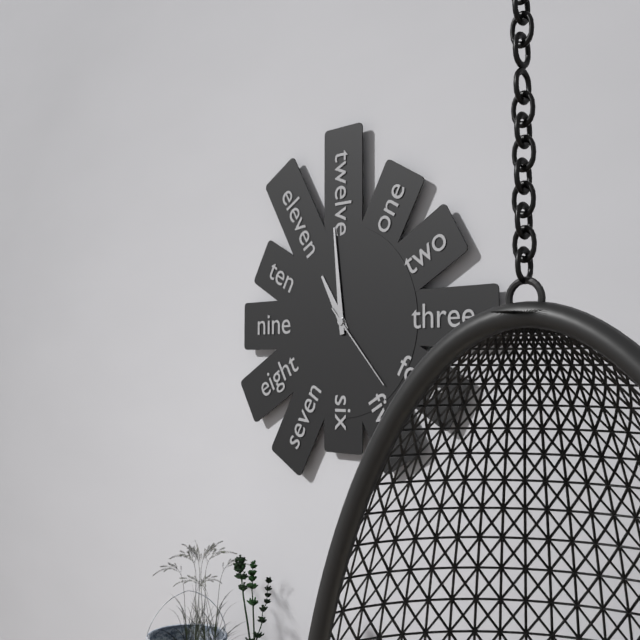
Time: h=10 m=59 s=23
